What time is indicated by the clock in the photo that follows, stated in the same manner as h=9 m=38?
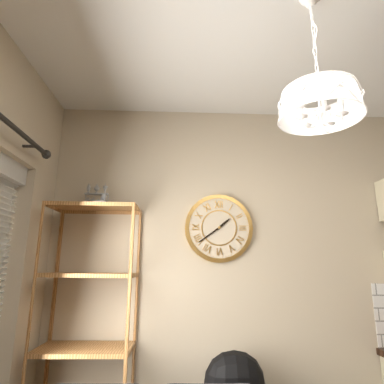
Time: h=1 m=39
